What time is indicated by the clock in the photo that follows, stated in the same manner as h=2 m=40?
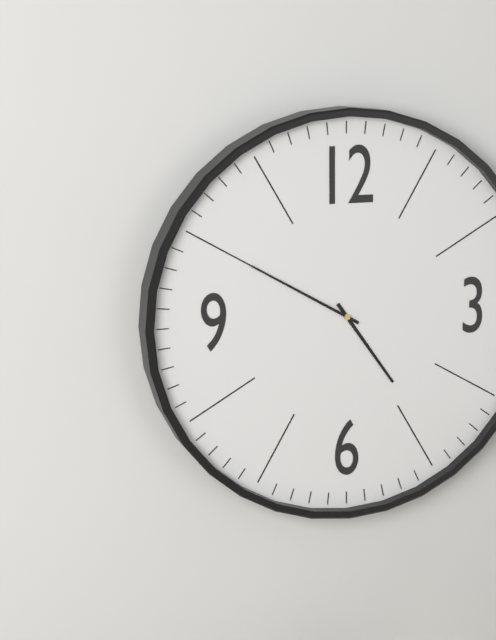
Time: h=4 m=50
